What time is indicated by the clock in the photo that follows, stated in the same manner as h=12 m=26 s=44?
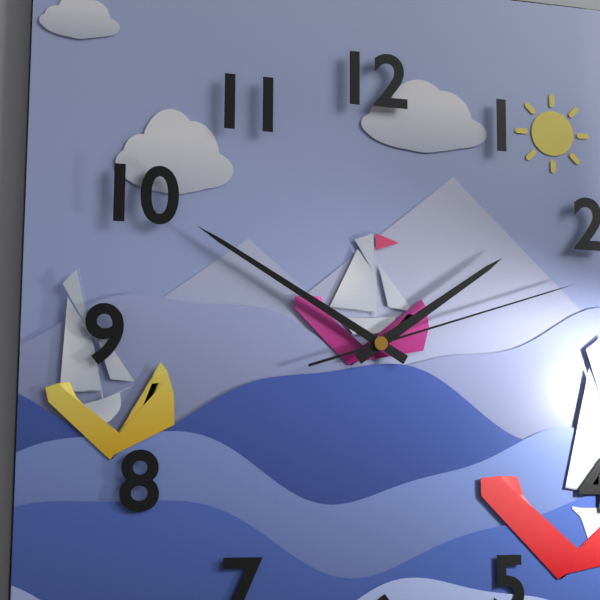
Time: h=1 m=50 s=12
